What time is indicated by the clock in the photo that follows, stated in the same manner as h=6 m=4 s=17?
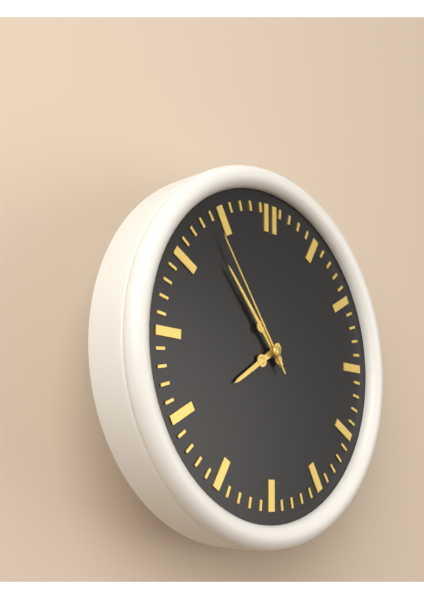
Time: h=7 m=53 s=54
